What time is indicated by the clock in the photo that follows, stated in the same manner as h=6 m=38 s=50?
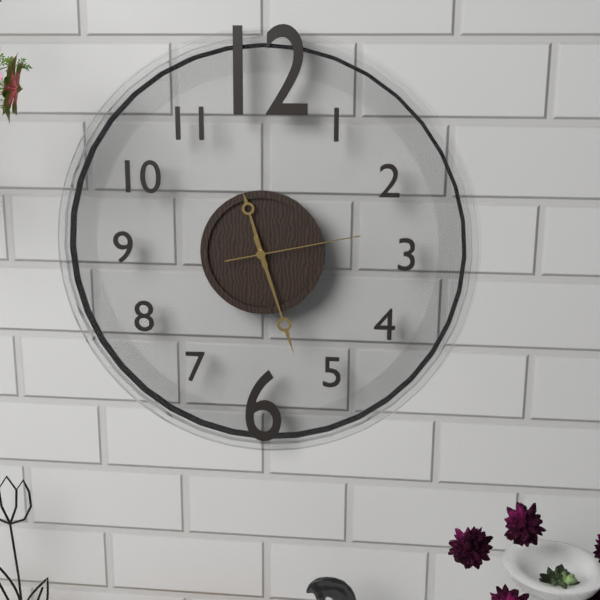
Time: h=11 m=27 s=13
